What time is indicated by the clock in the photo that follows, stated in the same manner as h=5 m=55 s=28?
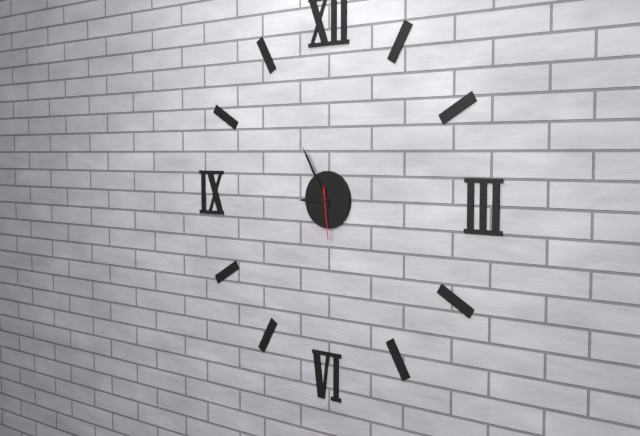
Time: h=8 m=55 s=29
